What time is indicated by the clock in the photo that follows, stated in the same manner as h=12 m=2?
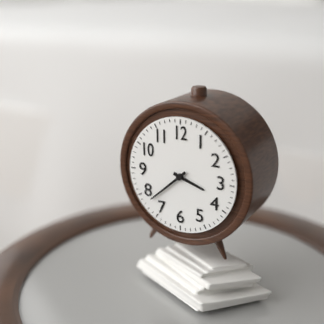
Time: h=3 m=38
